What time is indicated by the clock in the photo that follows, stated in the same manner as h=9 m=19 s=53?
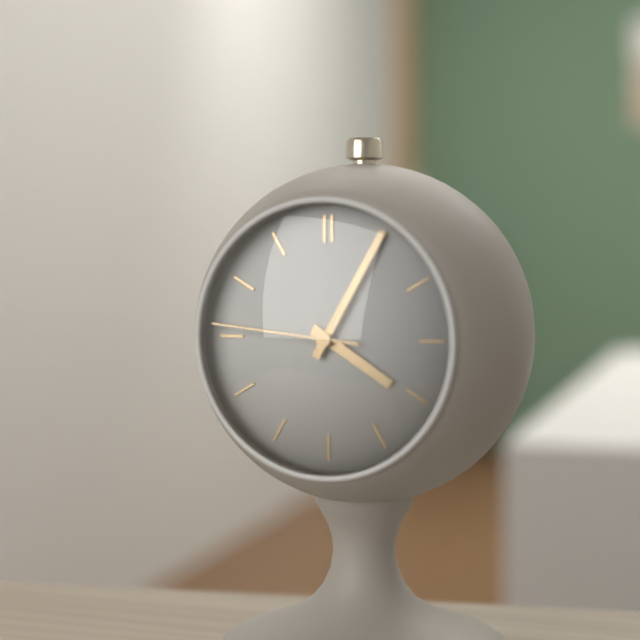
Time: h=4 m=5 s=46
